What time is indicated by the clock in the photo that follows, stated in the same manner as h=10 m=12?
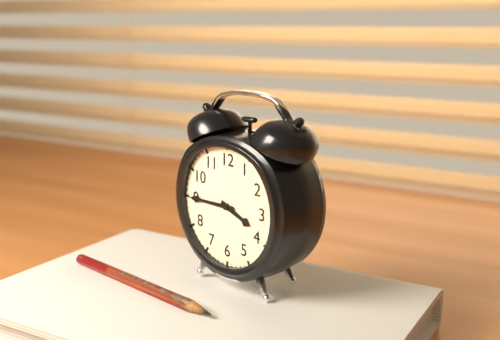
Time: h=3 m=45
